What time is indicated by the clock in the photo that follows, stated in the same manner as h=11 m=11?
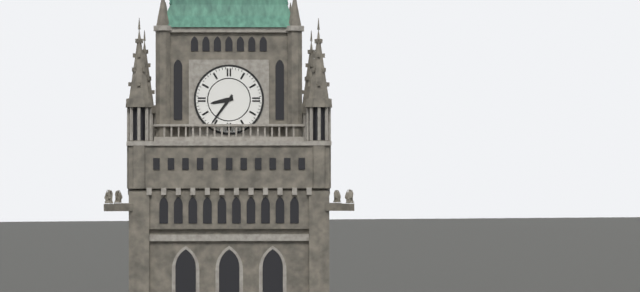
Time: h=8 m=36
